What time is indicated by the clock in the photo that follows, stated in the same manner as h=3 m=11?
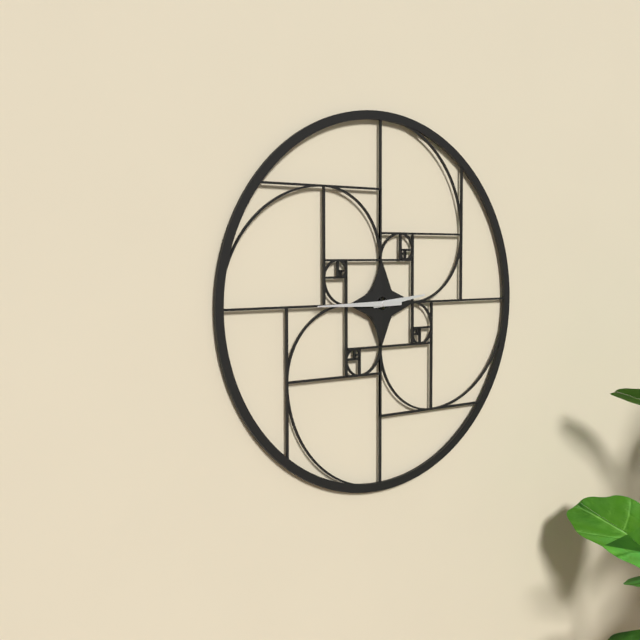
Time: h=2 m=45
